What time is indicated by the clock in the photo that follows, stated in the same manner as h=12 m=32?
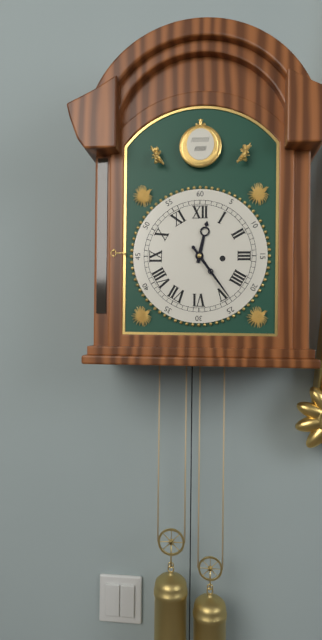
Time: h=12 m=24
